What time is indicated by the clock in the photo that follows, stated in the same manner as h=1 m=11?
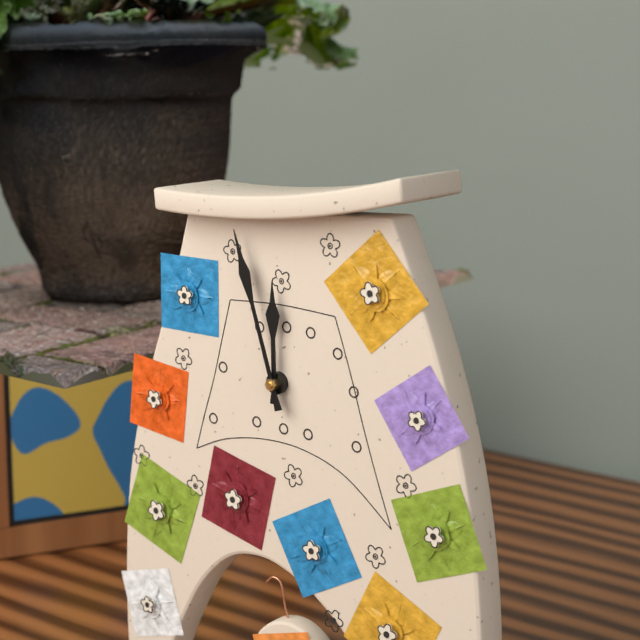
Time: h=11 m=57
